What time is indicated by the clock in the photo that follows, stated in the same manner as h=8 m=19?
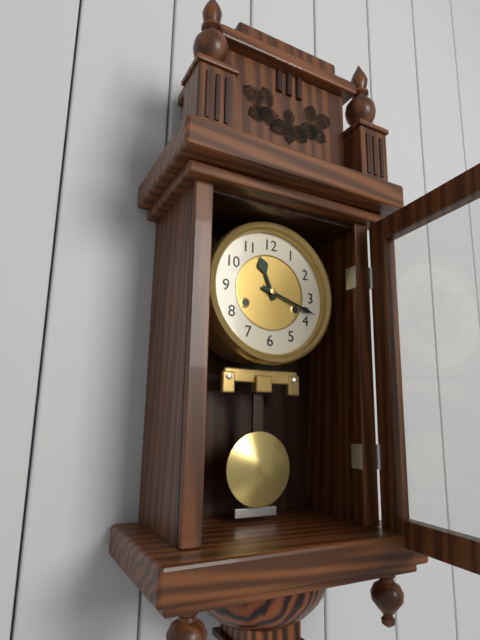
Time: h=11 m=18
